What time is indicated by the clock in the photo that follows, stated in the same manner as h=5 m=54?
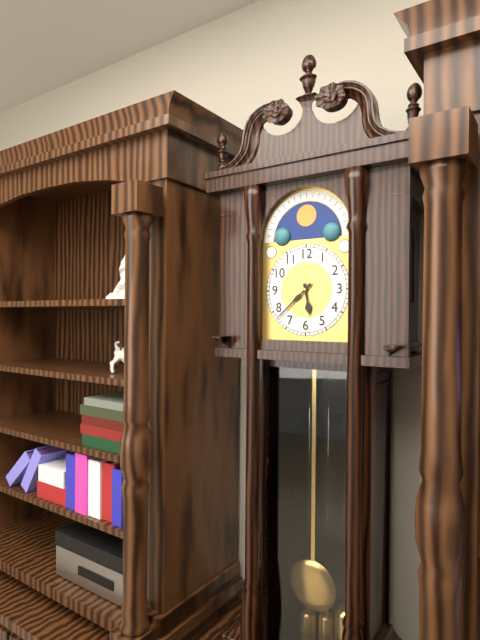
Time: h=5 m=38
